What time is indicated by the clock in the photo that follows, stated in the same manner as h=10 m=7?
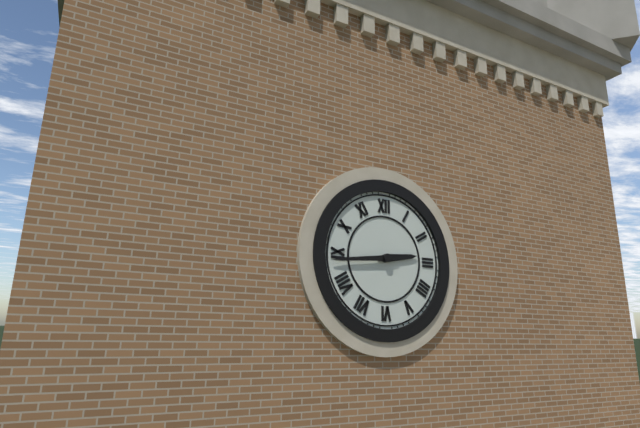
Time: h=2 m=44
